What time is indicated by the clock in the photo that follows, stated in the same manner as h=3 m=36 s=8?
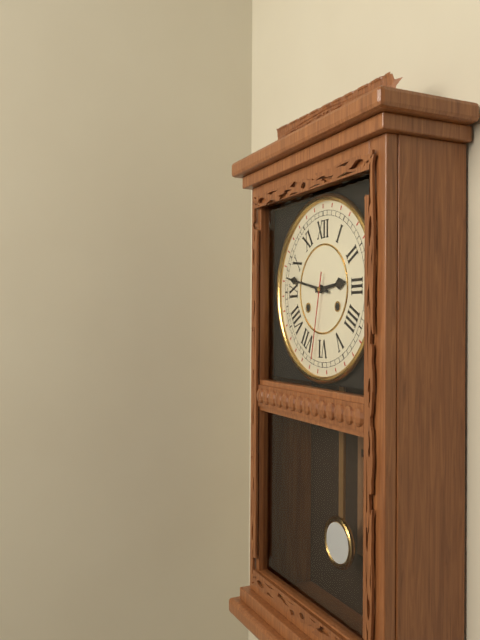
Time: h=2 m=47 s=32
